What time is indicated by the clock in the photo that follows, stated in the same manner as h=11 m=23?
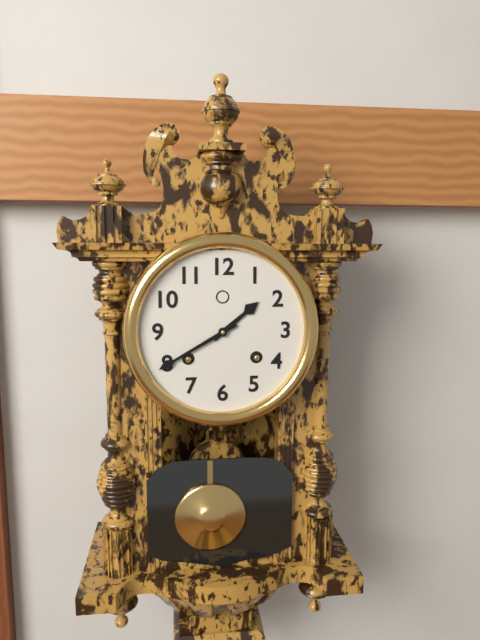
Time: h=1 m=40
